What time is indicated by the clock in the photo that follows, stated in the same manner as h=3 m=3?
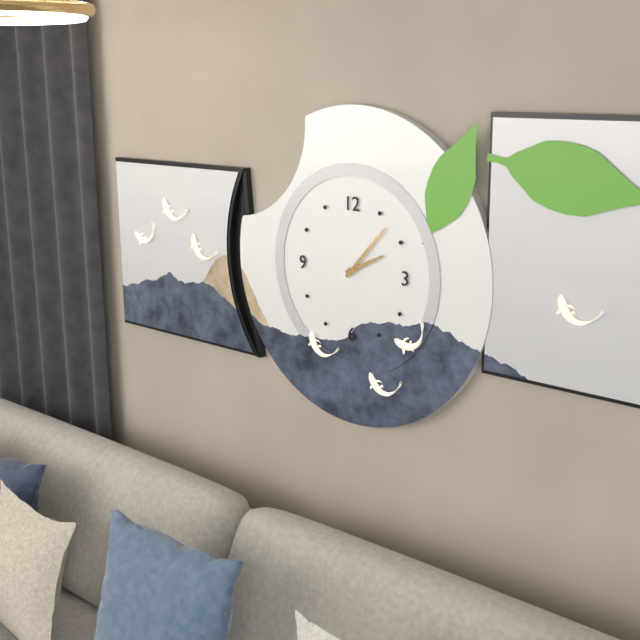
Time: h=2 m=7
